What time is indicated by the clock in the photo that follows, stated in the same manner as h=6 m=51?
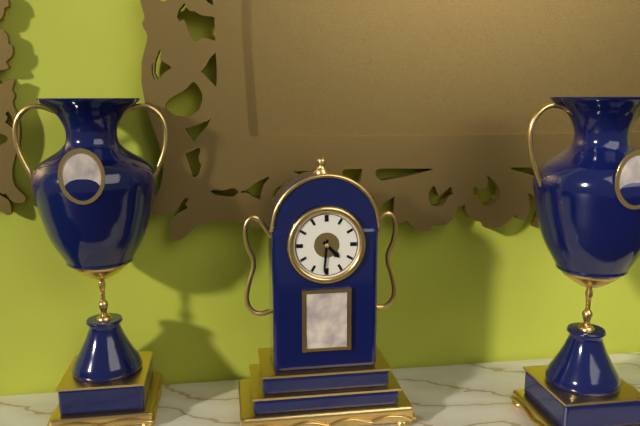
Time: h=4 m=31
